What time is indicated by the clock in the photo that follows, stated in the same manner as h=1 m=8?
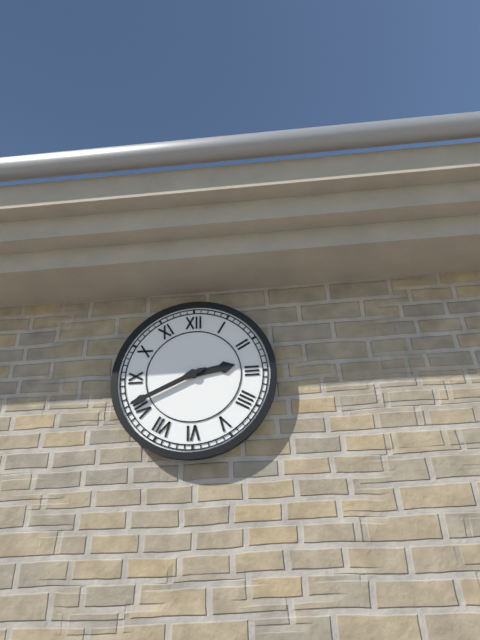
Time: h=2 m=41
